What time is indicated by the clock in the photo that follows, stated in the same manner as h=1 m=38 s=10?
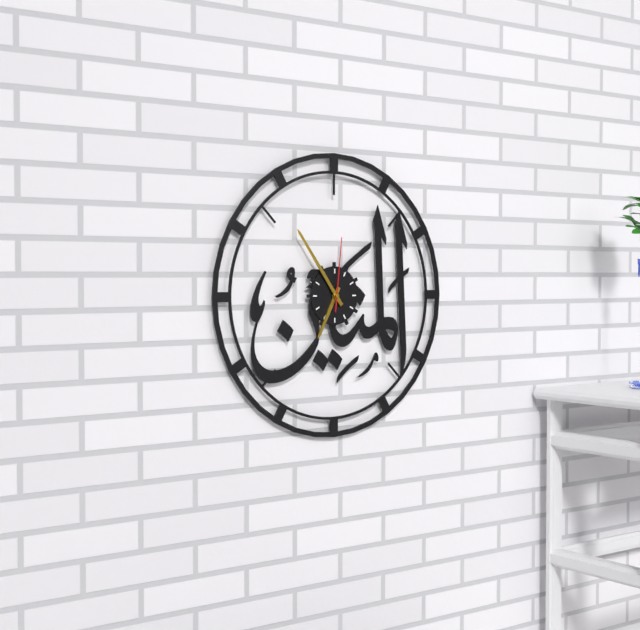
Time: h=6 m=54 s=1
